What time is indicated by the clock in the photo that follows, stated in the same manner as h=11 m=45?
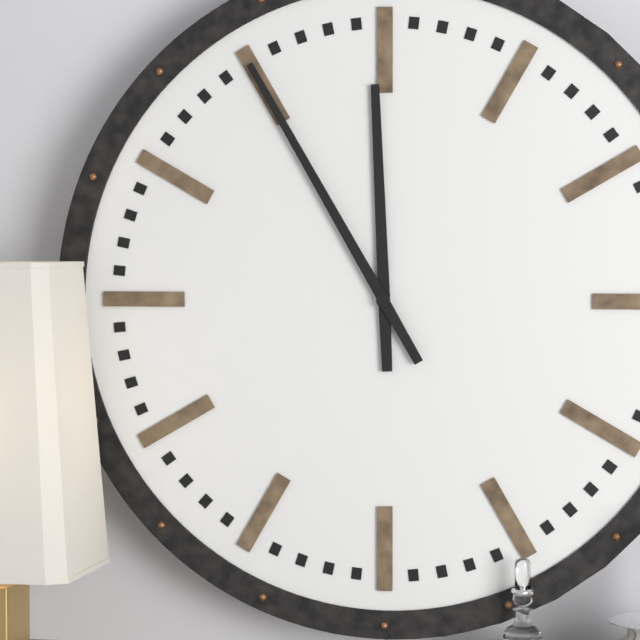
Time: h=11 m=55
